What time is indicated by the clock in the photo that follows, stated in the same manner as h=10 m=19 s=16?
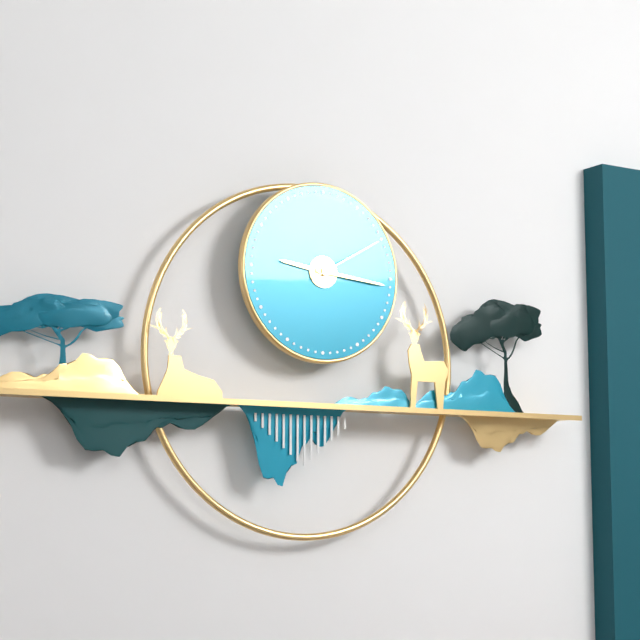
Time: h=9 m=16 s=10
